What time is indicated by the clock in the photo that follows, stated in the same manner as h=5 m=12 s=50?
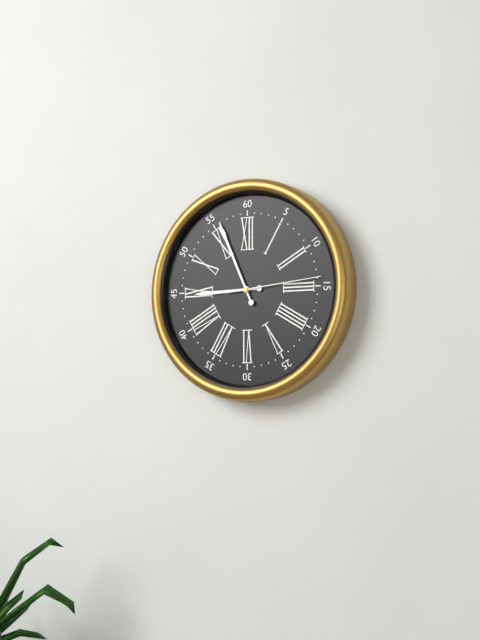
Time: h=8 m=56 s=14
